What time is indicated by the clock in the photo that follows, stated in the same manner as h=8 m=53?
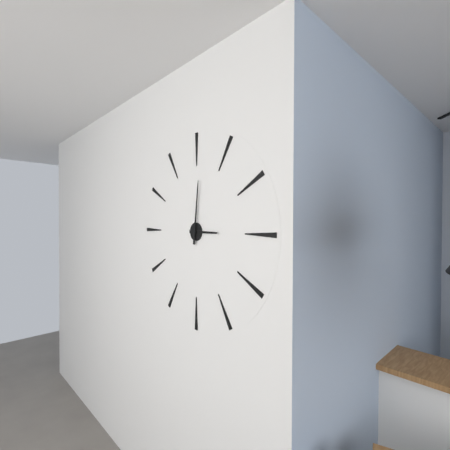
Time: h=3 m=1
